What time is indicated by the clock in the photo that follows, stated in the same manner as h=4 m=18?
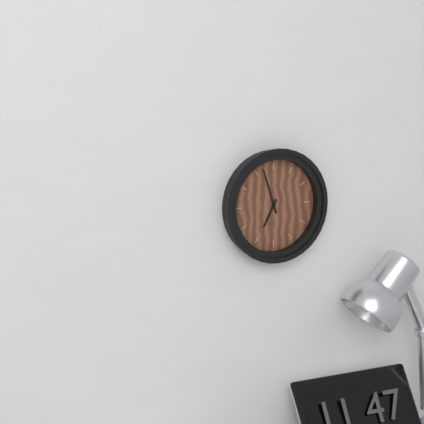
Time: h=6 m=57
